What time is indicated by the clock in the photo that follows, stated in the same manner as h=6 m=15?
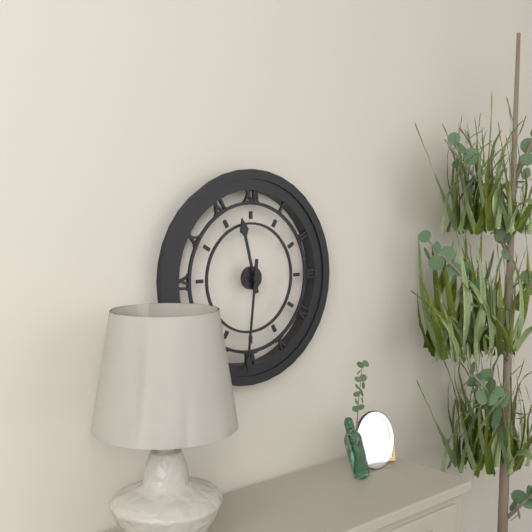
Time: h=11 m=31
